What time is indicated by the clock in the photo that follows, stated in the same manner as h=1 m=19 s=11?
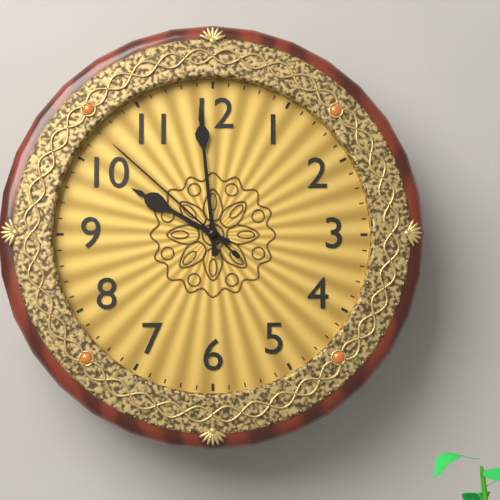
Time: h=9 m=59 s=52
